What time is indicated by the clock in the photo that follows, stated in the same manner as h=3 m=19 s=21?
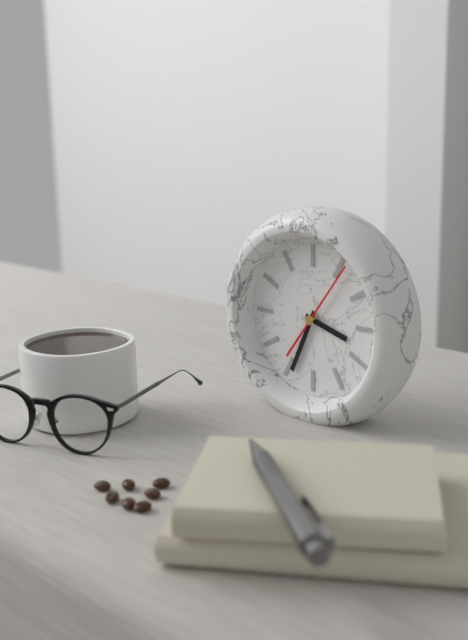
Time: h=3 m=34 s=6
